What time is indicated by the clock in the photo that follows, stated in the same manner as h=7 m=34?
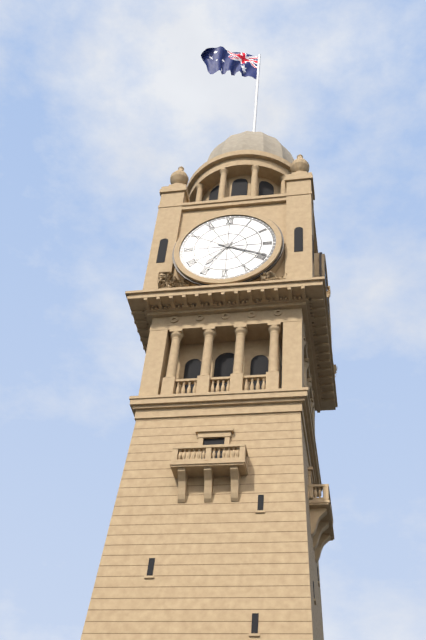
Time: h=7 m=19
